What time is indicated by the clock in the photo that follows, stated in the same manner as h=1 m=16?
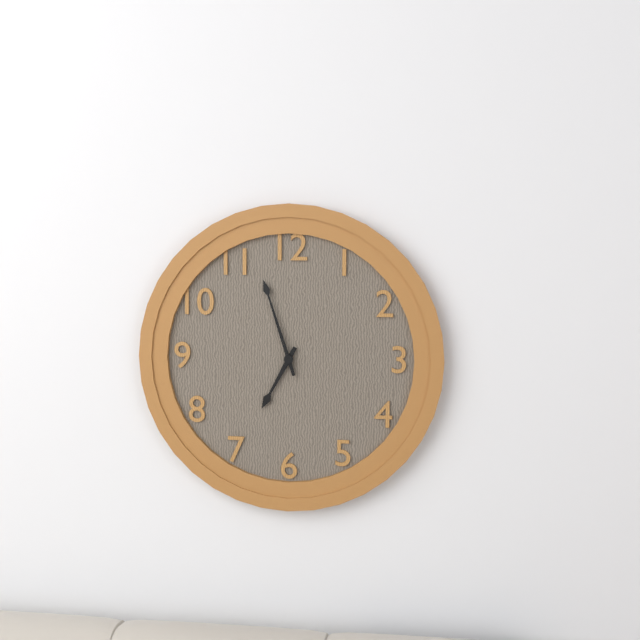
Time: h=6 m=57
